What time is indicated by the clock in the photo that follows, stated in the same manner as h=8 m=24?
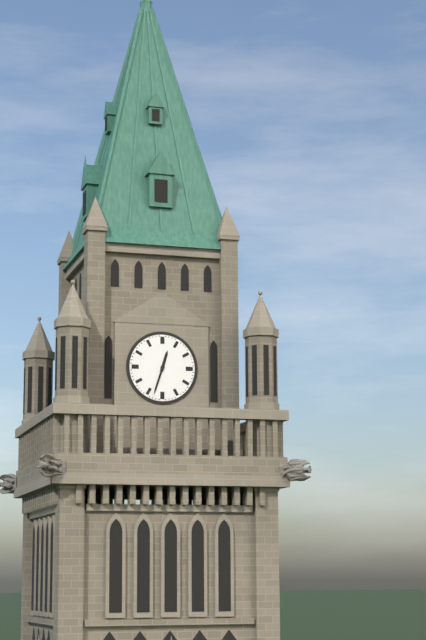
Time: h=12 m=33
